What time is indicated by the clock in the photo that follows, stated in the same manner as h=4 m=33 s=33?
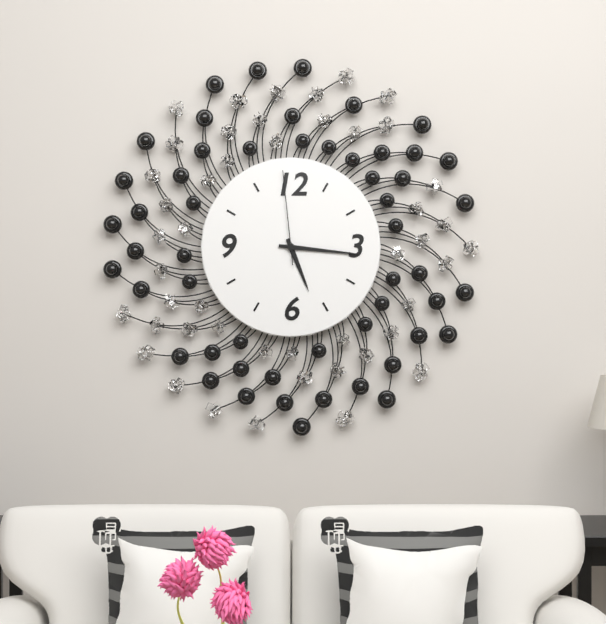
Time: h=5 m=16 s=59
